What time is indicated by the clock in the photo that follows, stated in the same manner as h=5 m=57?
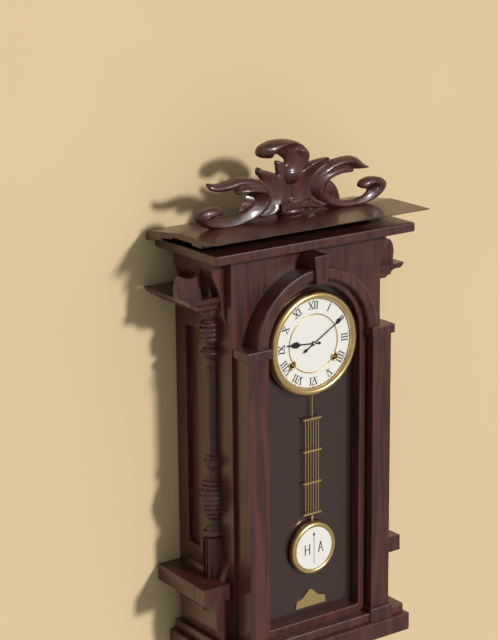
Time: h=9 m=10
